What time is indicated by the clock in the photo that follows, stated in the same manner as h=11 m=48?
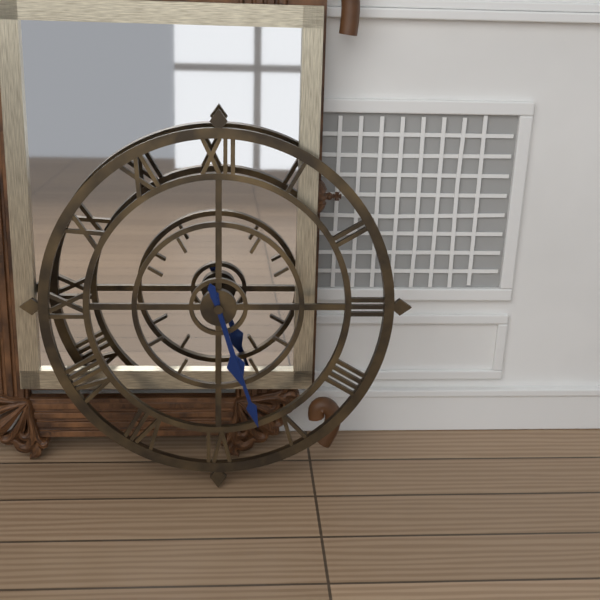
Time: h=5 m=27
